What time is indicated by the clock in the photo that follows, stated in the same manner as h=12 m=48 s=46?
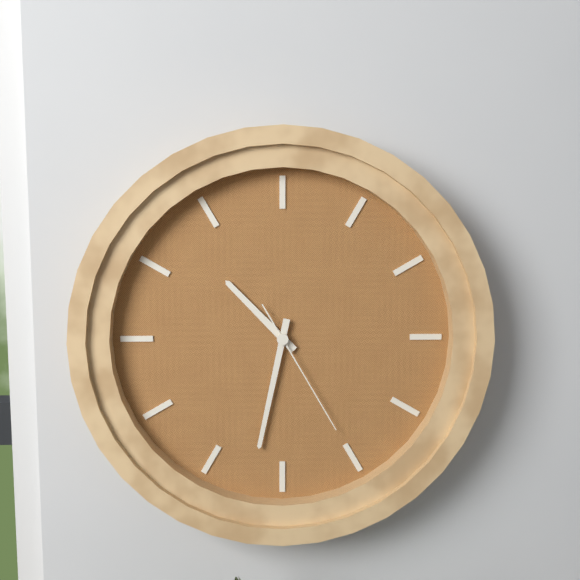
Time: h=10 m=32 s=25
